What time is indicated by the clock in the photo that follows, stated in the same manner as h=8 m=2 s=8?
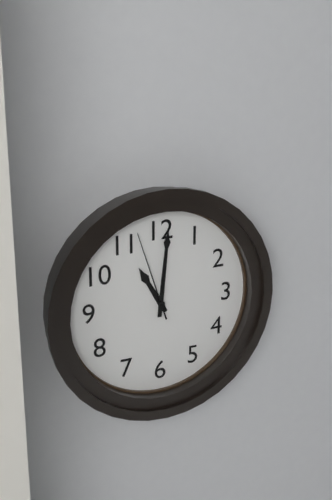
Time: h=11 m=1 s=57
